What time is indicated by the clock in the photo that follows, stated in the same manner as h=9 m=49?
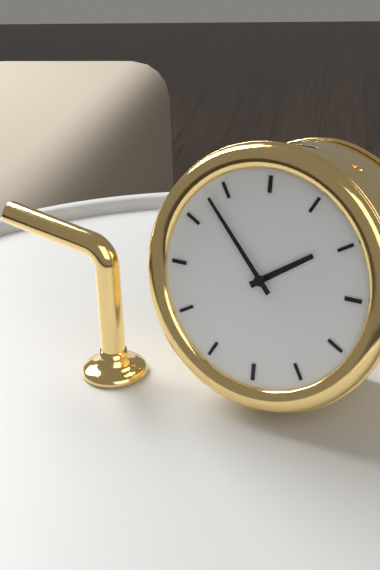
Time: h=1 m=53
